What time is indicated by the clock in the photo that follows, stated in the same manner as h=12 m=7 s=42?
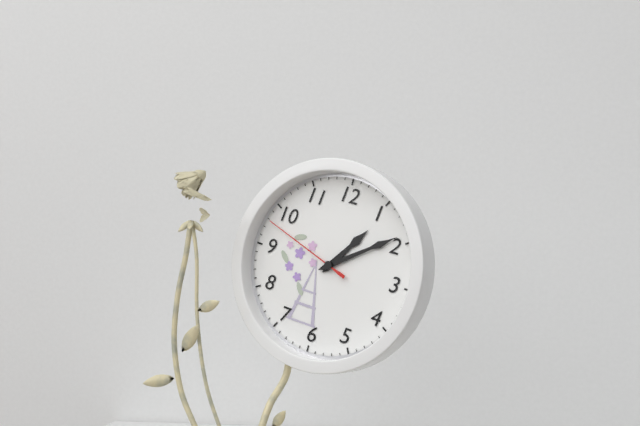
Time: h=1 m=9 s=48
